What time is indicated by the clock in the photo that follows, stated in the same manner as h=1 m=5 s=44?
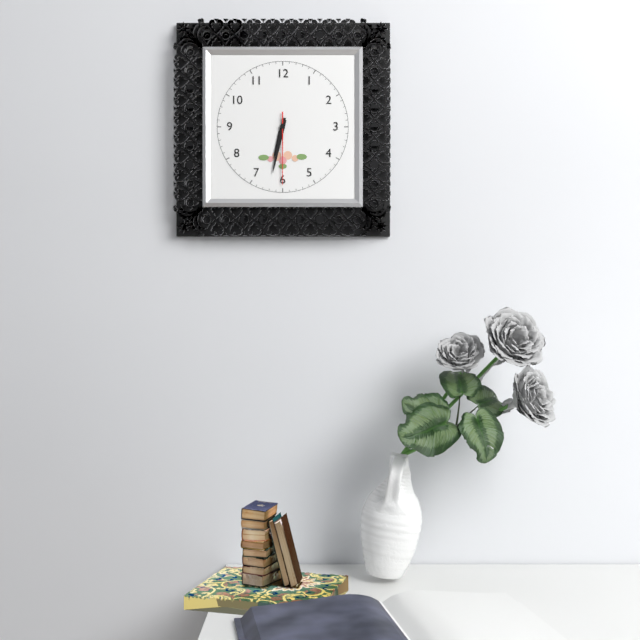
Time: h=6 m=32 s=30
